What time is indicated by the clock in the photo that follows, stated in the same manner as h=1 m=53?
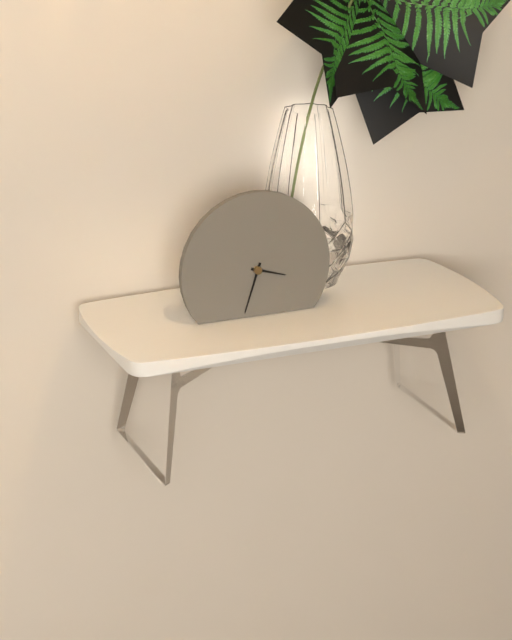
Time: h=3 m=33
